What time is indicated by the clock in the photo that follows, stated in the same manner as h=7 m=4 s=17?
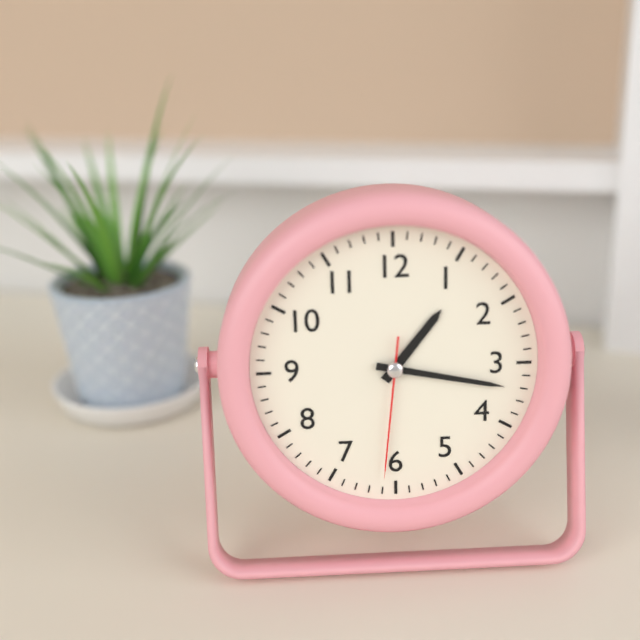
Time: h=1 m=17 s=31
